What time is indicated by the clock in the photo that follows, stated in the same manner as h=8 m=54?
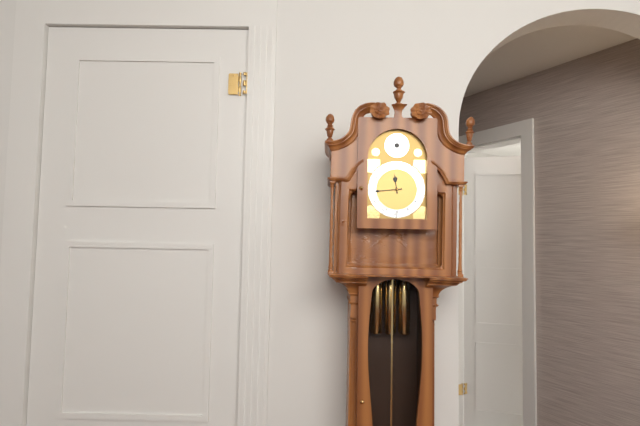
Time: h=11 m=44
